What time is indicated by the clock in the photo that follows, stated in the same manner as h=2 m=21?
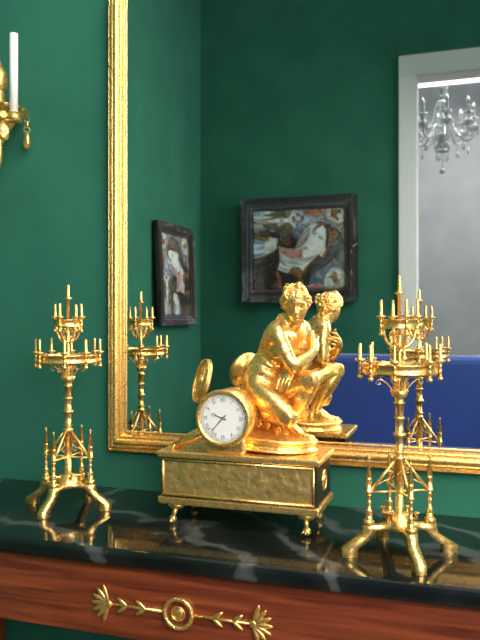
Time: h=9 m=37
